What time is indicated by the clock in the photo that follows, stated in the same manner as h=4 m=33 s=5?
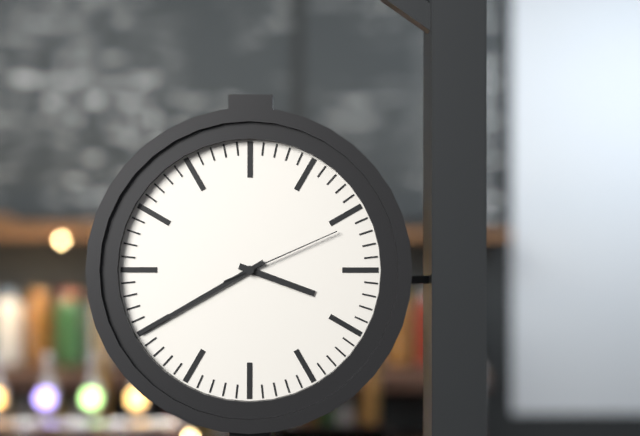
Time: h=3 m=40 s=11
